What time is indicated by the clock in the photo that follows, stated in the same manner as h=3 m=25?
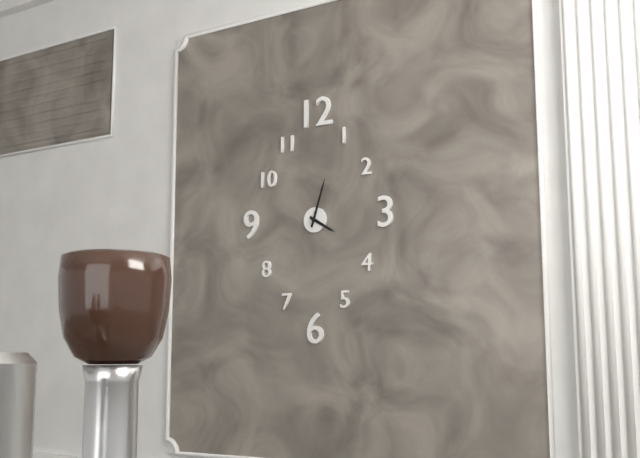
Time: h=4 m=3
